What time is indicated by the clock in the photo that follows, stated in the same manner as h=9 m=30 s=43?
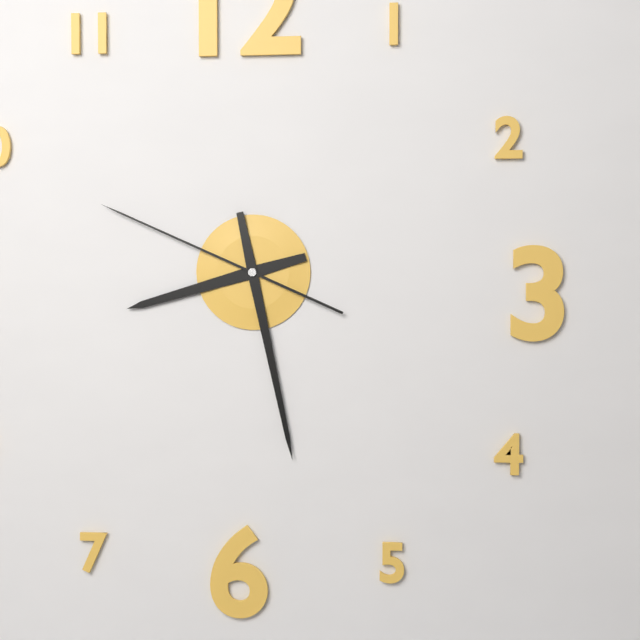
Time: h=8 m=28 s=49
